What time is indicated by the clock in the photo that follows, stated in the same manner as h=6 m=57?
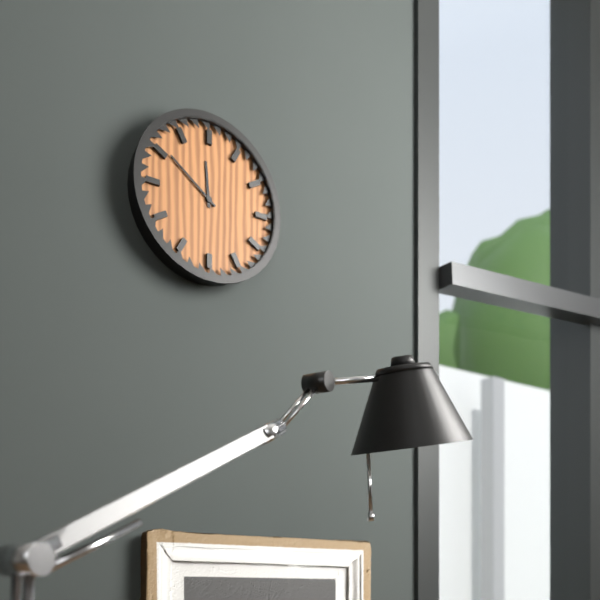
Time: h=11 m=51
